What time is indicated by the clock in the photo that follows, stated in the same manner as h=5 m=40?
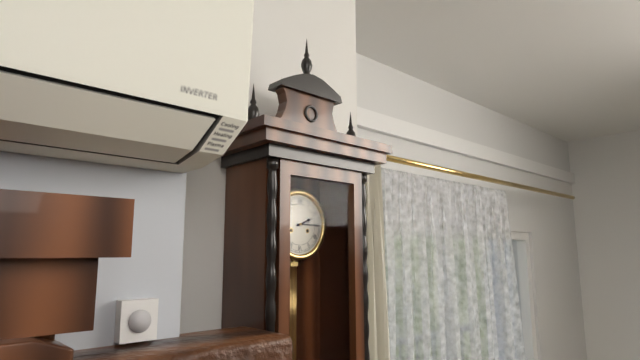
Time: h=2 m=15
